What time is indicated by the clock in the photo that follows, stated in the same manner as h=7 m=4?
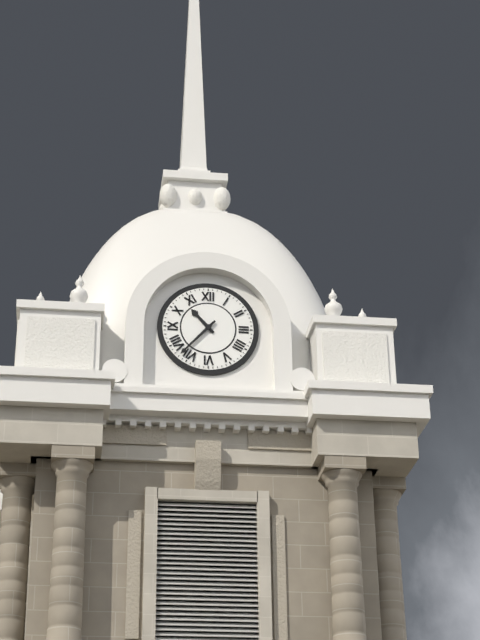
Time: h=10 m=37
